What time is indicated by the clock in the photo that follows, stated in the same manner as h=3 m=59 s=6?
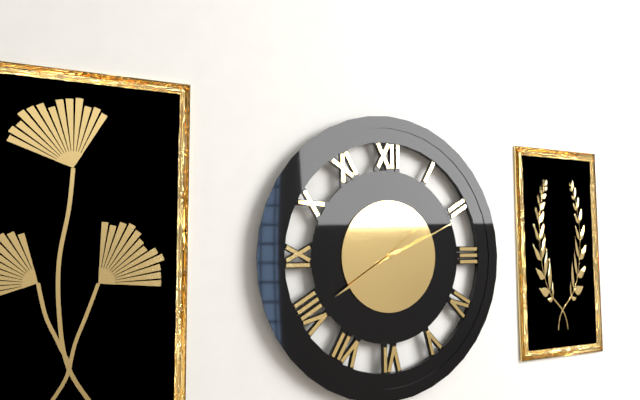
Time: h=1 m=40 s=11
